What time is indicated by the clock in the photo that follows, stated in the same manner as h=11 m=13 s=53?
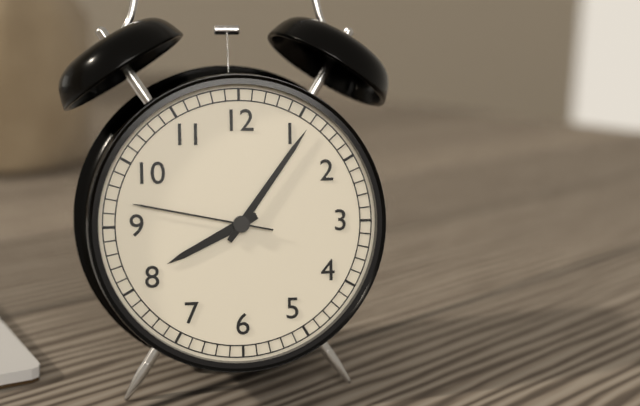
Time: h=8 m=6 s=47
